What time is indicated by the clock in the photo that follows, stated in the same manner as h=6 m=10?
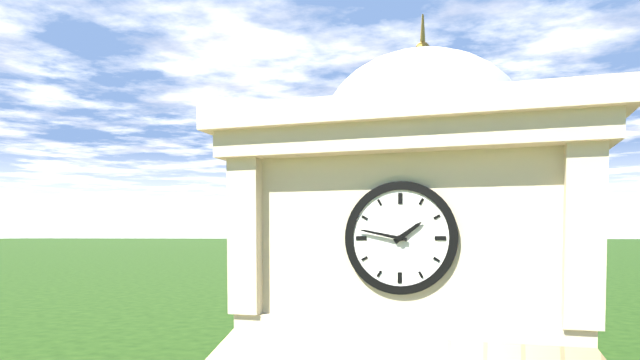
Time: h=1 m=47
